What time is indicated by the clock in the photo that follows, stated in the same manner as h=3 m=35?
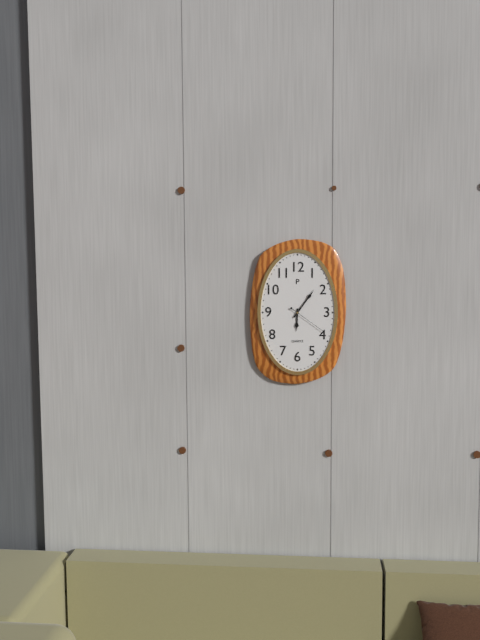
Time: h=6 m=6
